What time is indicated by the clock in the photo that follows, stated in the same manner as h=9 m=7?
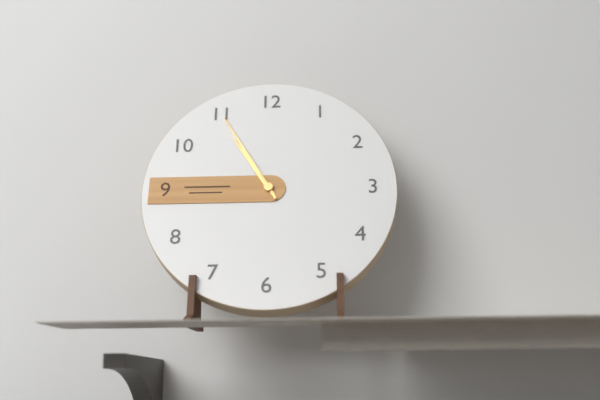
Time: h=10 m=55
